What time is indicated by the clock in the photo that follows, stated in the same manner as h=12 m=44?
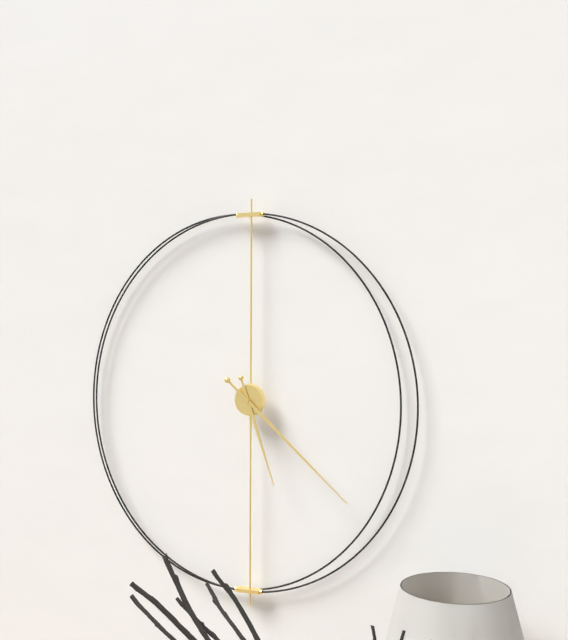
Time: h=5 m=22
